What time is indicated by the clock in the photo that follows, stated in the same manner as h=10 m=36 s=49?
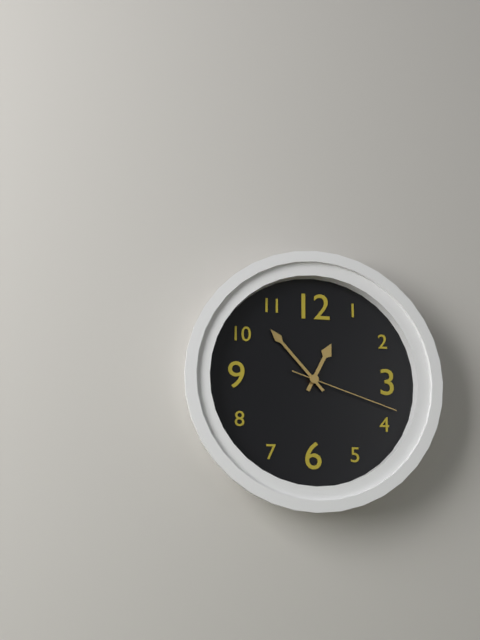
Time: h=12 m=53 s=18
